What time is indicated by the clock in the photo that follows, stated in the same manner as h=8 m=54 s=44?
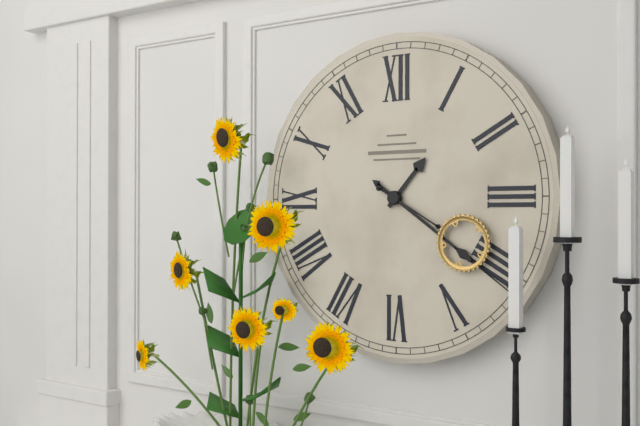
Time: h=1 m=21 s=20
